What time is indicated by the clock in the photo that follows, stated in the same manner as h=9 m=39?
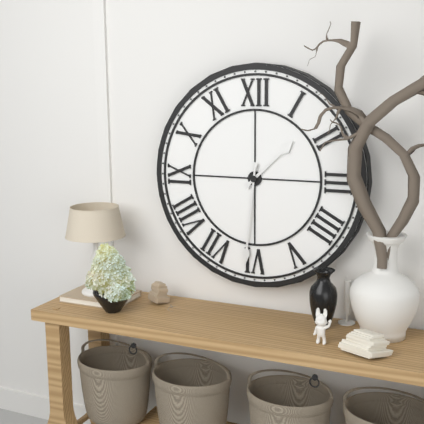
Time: h=1 m=31
